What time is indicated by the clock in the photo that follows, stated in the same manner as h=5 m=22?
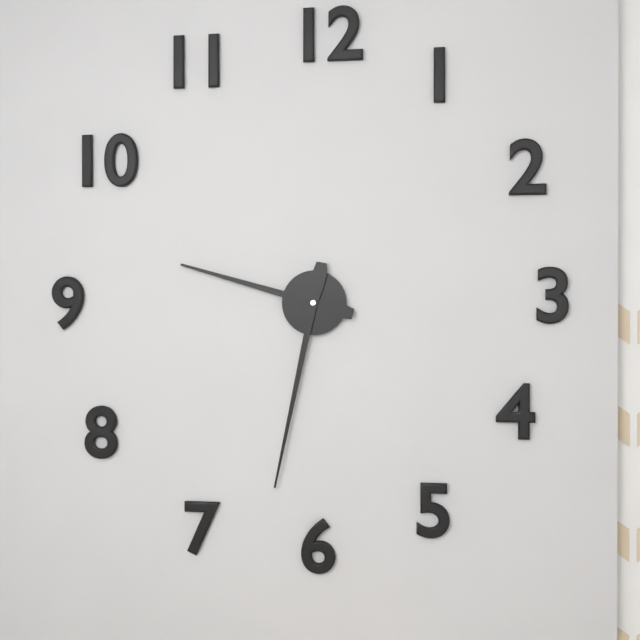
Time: h=9 m=32
